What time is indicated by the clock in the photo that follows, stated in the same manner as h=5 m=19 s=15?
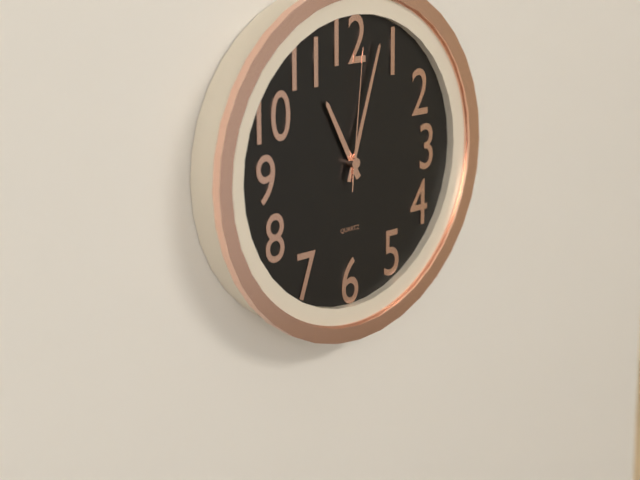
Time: h=11 m=3 s=1
